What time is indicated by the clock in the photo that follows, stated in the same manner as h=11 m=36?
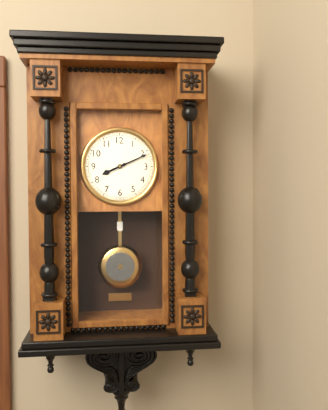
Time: h=8 m=11
